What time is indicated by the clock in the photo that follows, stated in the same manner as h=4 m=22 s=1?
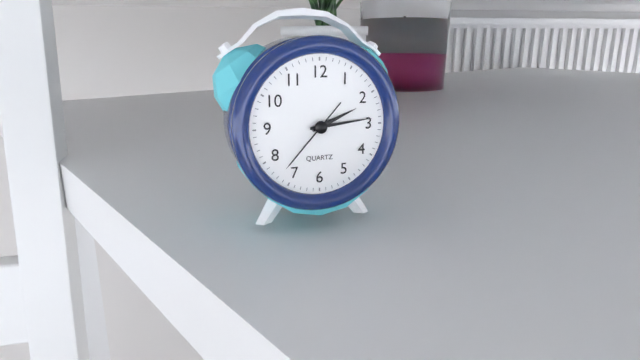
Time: h=2 m=14 s=37
